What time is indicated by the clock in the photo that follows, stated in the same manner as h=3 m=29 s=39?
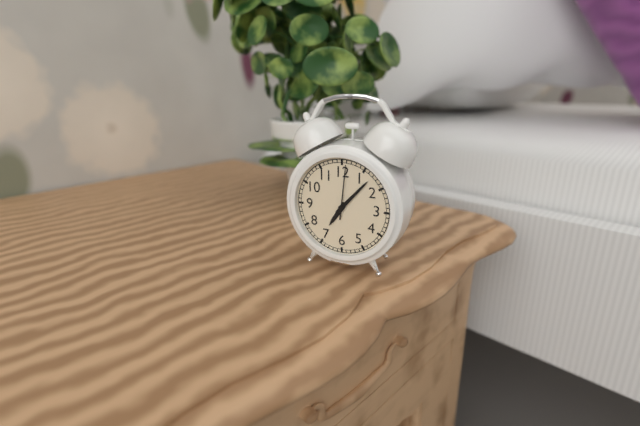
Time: h=7 m=7 s=1
